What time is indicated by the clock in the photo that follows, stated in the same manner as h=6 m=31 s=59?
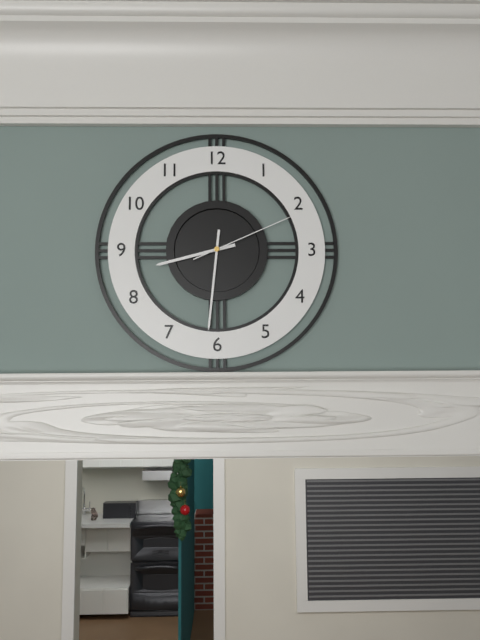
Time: h=8 m=31 s=11
